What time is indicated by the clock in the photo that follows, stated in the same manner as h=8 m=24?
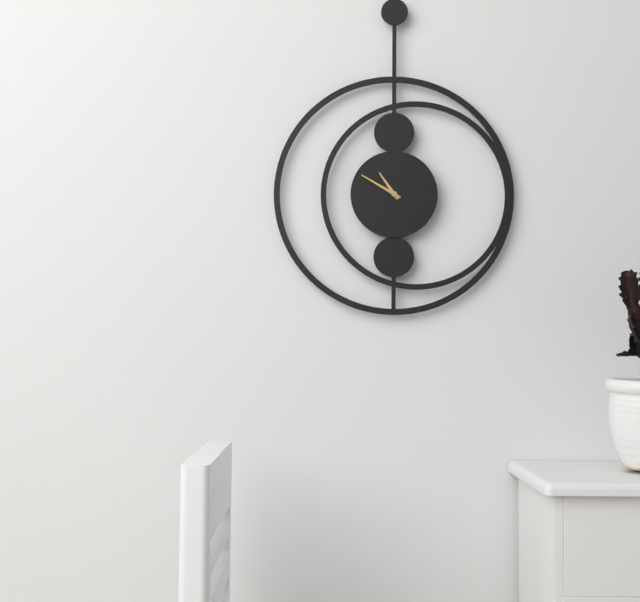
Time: h=10 m=50
